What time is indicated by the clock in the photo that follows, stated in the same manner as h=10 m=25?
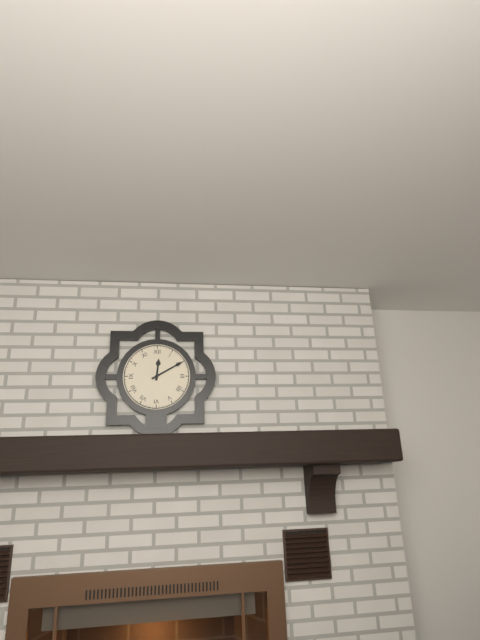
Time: h=12 m=10
